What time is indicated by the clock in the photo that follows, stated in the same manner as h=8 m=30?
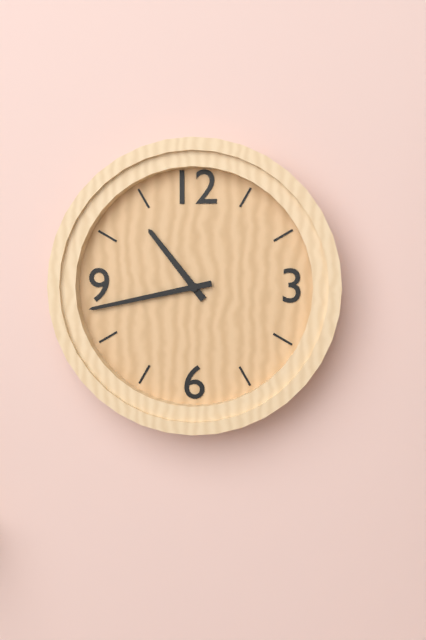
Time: h=10 m=43
